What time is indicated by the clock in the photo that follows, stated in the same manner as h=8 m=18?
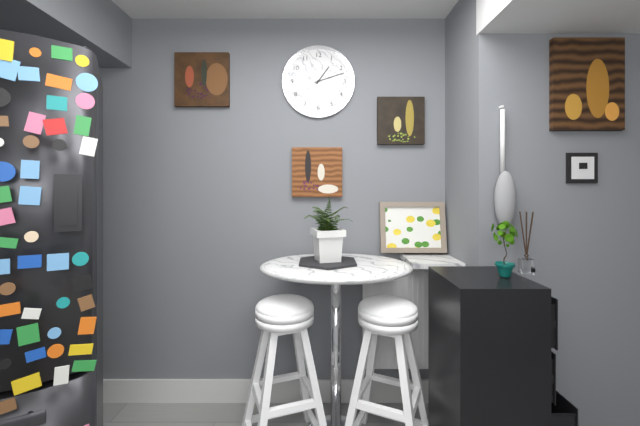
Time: h=1 m=12
